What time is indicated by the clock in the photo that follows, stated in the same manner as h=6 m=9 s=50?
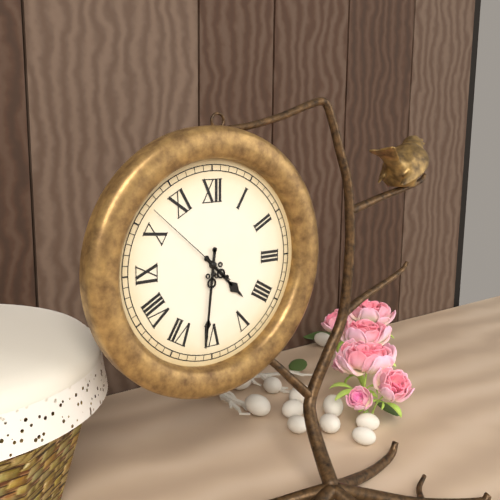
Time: h=4 m=31 s=52
